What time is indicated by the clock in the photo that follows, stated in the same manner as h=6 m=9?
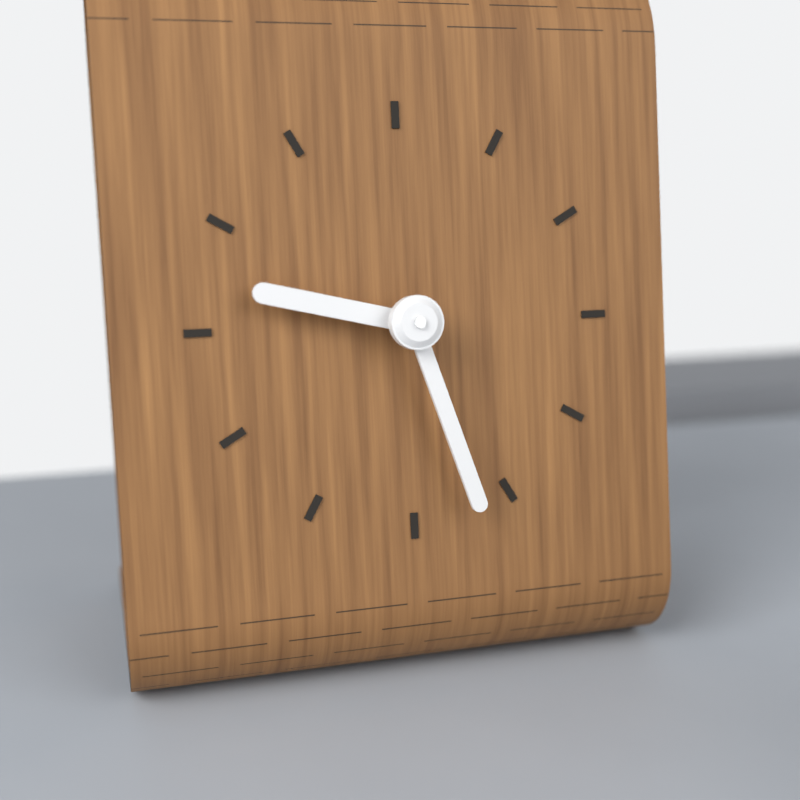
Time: h=9 m=27
